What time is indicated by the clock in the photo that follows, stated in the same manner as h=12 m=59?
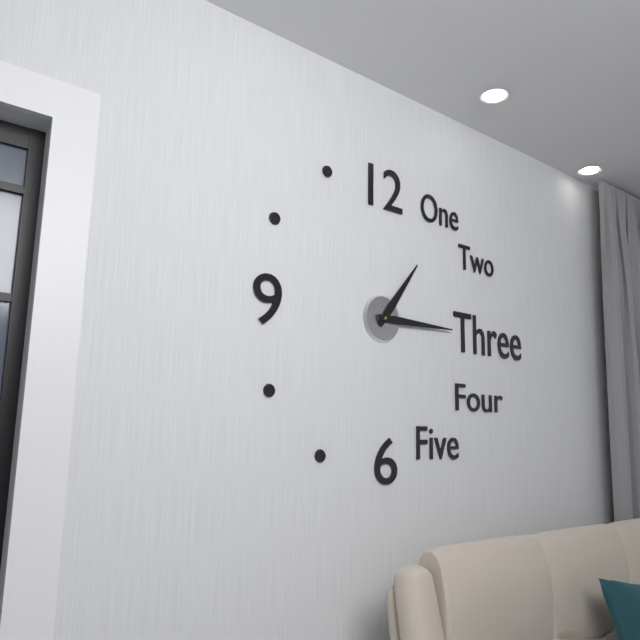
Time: h=1 m=15
